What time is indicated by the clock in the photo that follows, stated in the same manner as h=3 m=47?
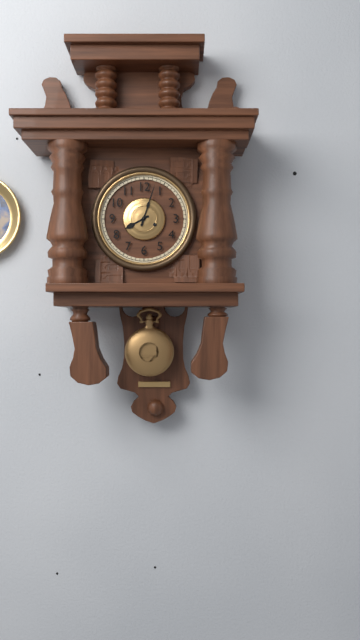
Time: h=8 m=3
